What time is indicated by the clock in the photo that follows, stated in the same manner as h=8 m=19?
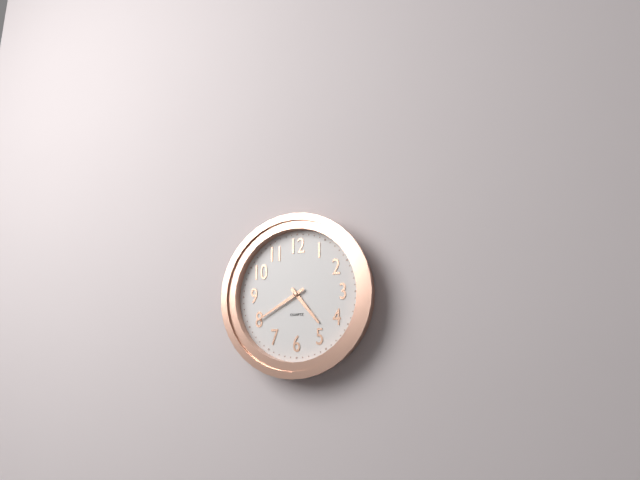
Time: h=4 m=40
